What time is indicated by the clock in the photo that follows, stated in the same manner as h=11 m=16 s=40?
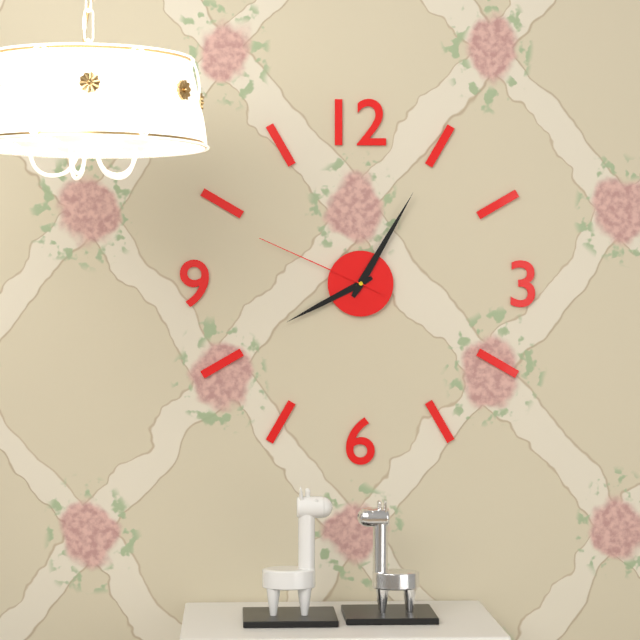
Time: h=8 m=5 s=49
